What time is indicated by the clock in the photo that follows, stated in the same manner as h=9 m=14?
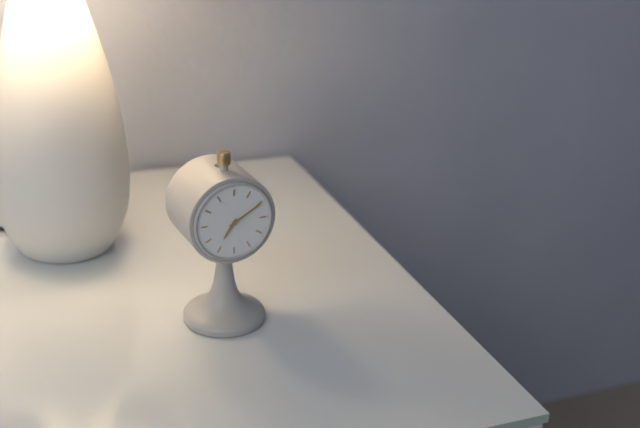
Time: h=7 m=10
